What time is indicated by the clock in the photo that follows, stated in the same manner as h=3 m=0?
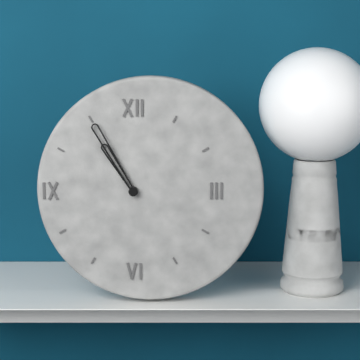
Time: h=10 m=55
